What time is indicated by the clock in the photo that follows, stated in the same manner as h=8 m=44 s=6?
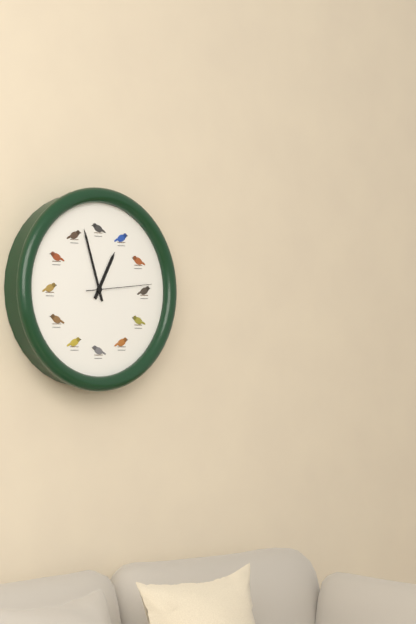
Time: h=12 m=57 s=14
